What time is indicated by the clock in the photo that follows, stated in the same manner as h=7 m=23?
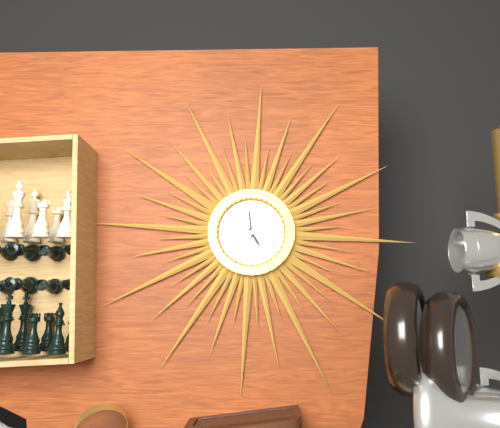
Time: h=4 m=59
